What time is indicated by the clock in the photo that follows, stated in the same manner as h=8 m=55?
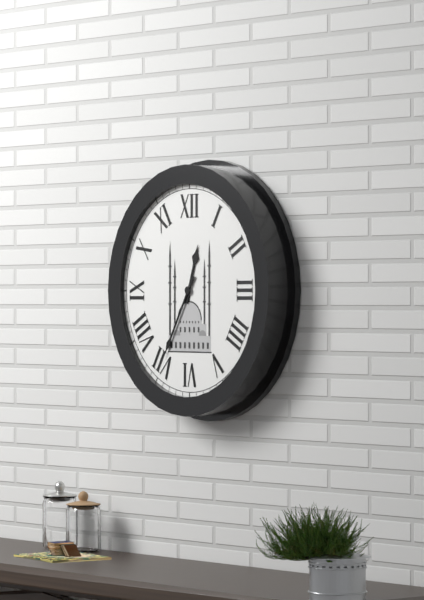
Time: h=12 m=35
